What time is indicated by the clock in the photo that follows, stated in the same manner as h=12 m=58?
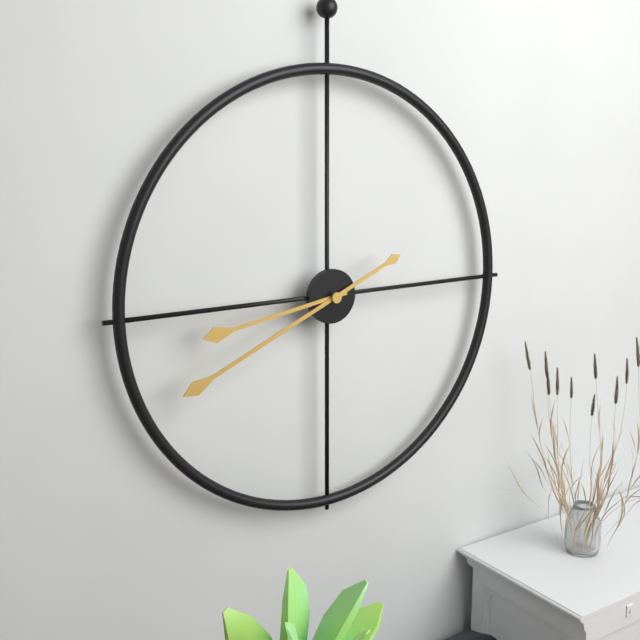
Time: h=8 m=41
